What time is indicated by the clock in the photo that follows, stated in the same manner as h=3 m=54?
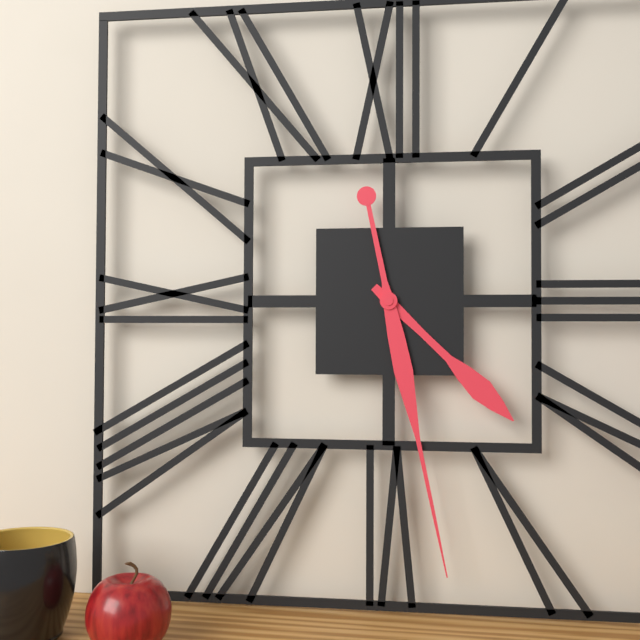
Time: h=4 m=28
